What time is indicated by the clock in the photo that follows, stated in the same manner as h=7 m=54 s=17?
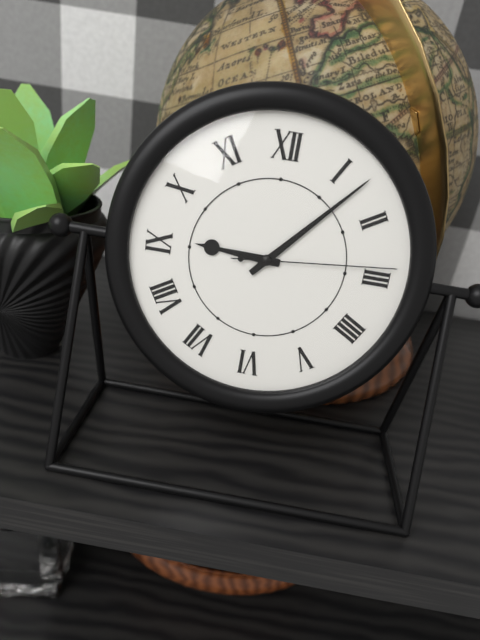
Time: h=9 m=7 s=14
